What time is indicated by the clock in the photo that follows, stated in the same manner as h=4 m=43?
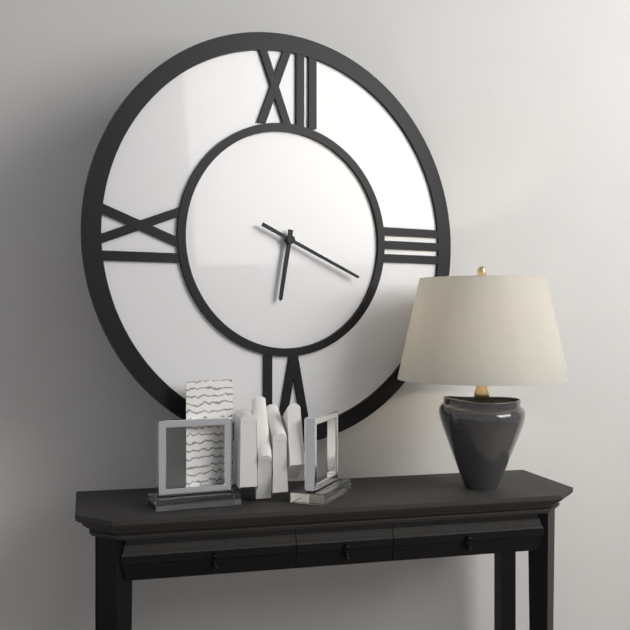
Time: h=6 m=19
